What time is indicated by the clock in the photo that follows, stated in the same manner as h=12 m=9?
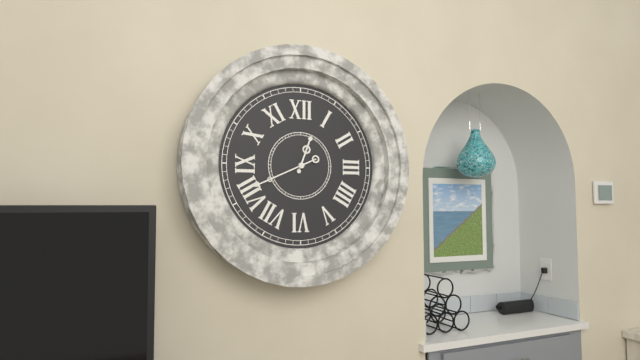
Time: h=12 m=41
